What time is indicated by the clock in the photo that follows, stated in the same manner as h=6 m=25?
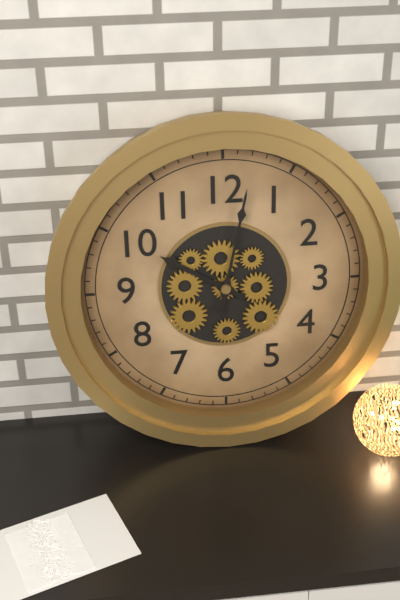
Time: h=10 m=2
